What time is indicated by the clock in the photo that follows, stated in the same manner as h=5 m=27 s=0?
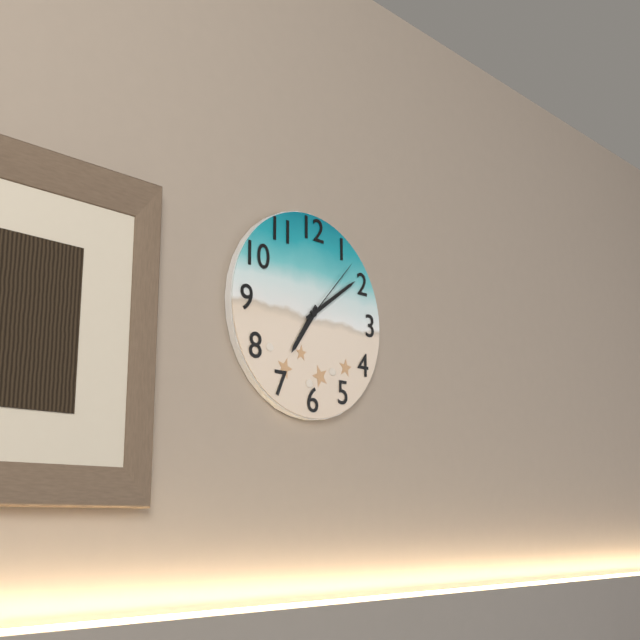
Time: h=7 m=9 s=7
